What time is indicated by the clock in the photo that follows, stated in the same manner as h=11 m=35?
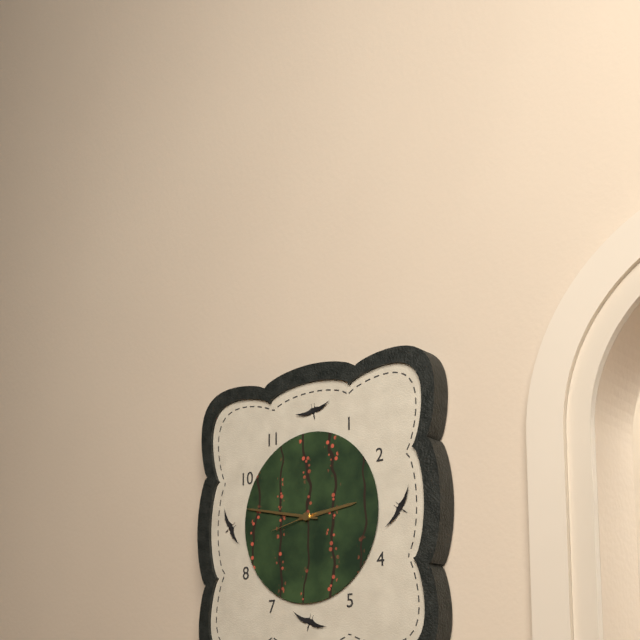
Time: h=2 m=47
